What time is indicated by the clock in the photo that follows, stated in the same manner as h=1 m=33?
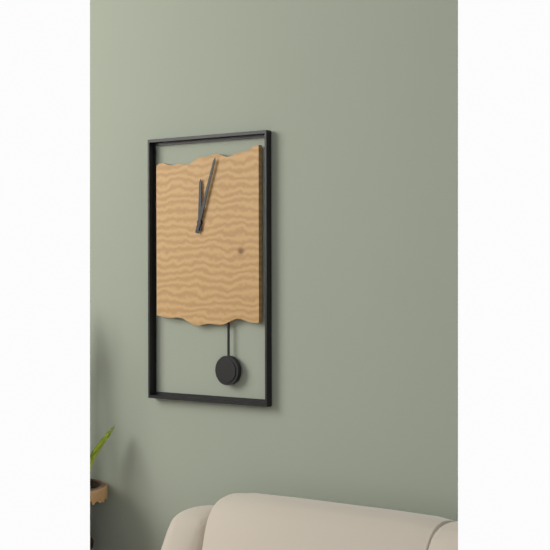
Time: h=12 m=3
